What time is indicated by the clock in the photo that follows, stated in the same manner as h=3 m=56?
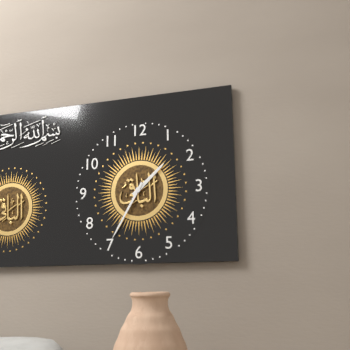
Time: h=1 m=35
